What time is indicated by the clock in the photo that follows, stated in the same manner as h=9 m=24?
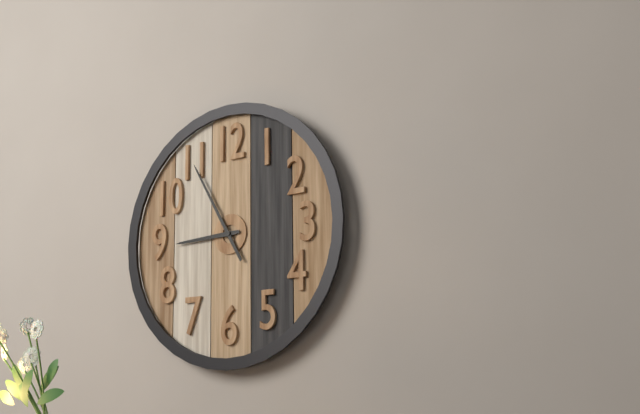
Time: h=8 m=55
